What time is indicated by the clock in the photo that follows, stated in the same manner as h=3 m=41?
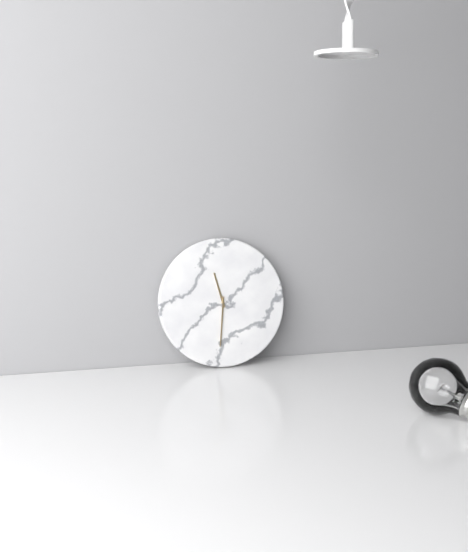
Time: h=11 m=31
